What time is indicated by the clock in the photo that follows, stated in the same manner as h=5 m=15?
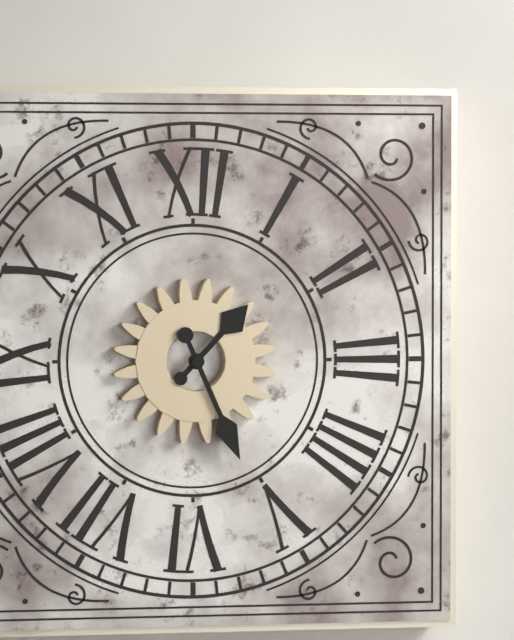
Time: h=1 m=26
